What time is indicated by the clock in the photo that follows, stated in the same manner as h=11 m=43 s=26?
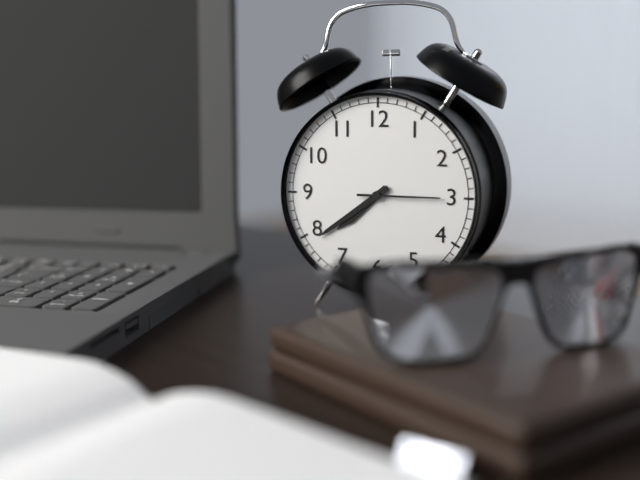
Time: h=7 m=39 s=15
